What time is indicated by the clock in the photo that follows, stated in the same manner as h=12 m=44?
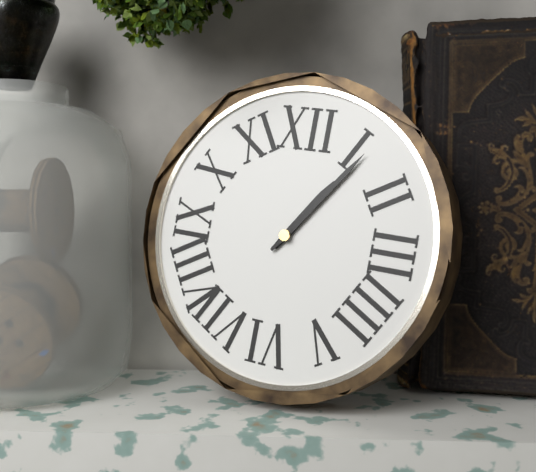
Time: h=1 m=6
